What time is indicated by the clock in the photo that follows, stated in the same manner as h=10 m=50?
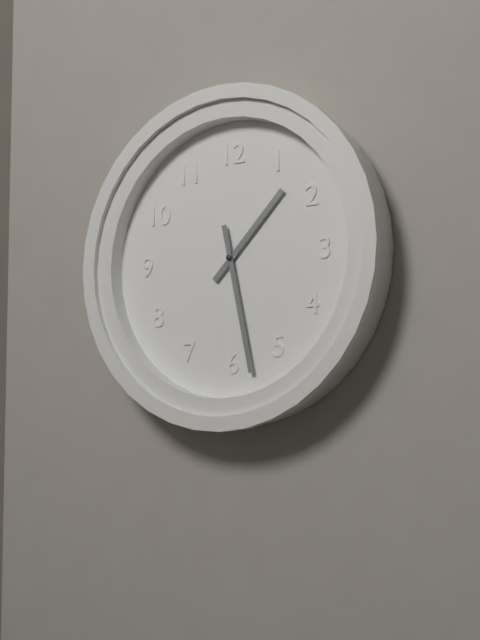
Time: h=1 m=28
